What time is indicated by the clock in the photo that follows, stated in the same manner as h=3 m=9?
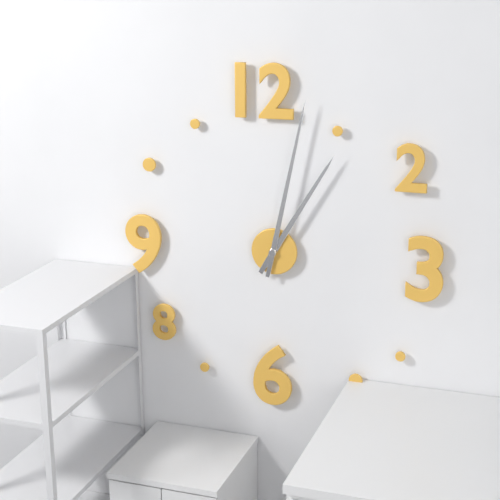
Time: h=1 m=2
